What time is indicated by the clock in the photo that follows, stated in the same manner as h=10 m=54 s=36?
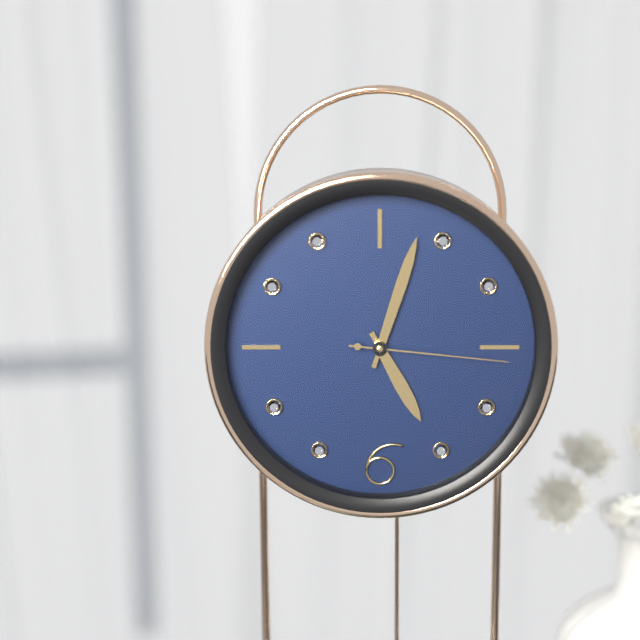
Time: h=5 m=3 s=16
